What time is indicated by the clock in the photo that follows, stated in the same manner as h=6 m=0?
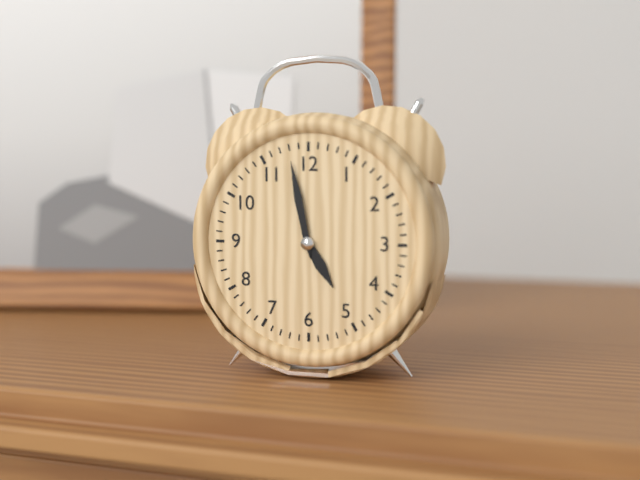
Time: h=4 m=58
